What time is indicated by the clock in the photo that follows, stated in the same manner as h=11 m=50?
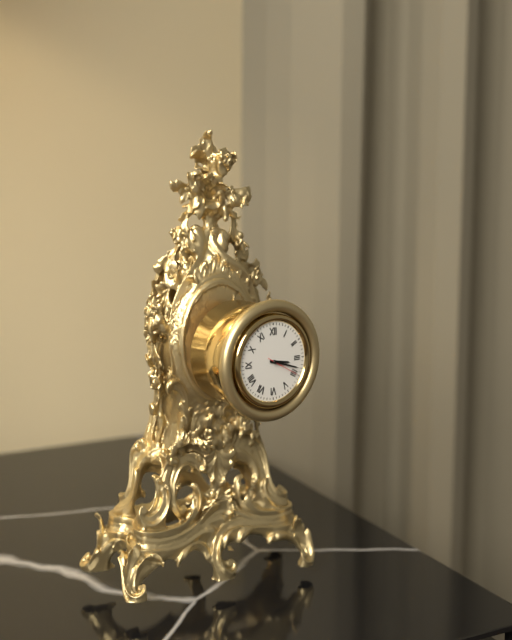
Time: h=3 m=18
